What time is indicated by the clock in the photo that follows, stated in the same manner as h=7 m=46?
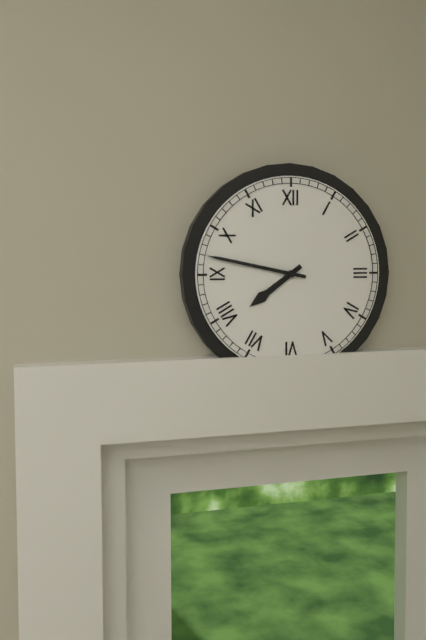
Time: h=7 m=47
